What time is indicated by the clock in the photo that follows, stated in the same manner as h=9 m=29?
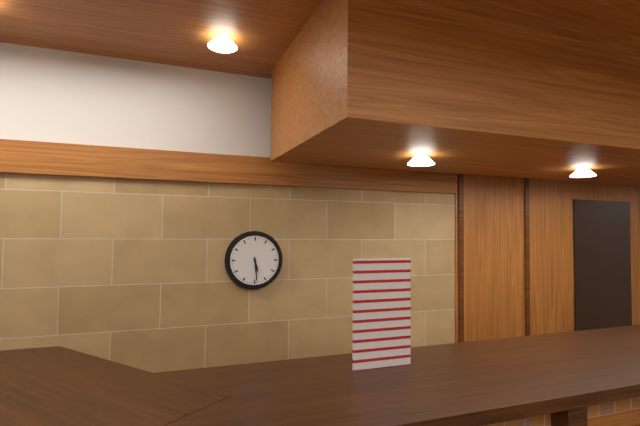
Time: h=5 m=29
